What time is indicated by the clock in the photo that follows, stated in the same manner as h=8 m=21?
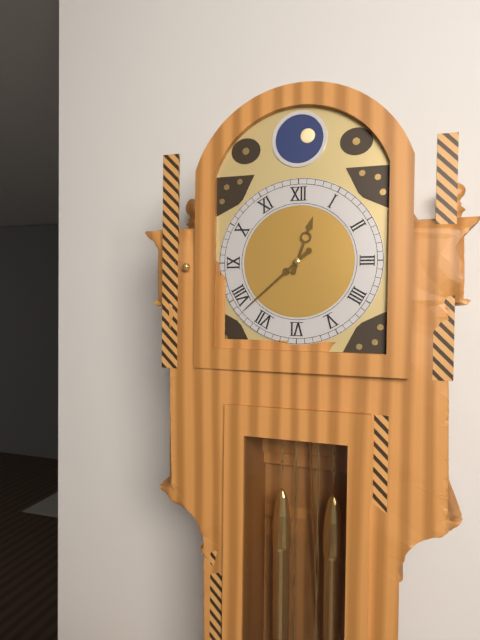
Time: h=12 m=38
